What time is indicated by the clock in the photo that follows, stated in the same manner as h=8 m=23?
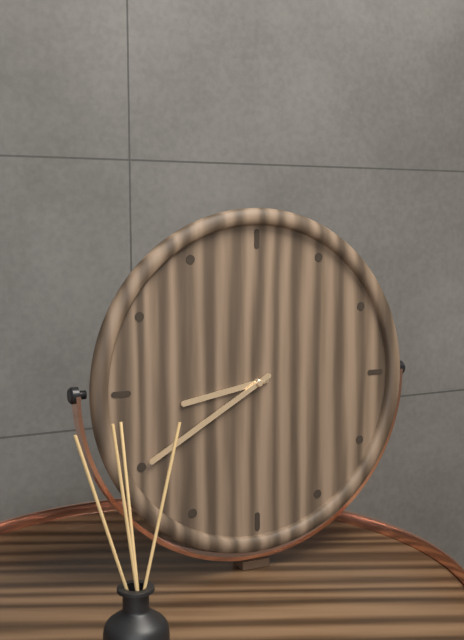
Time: h=8 m=40
